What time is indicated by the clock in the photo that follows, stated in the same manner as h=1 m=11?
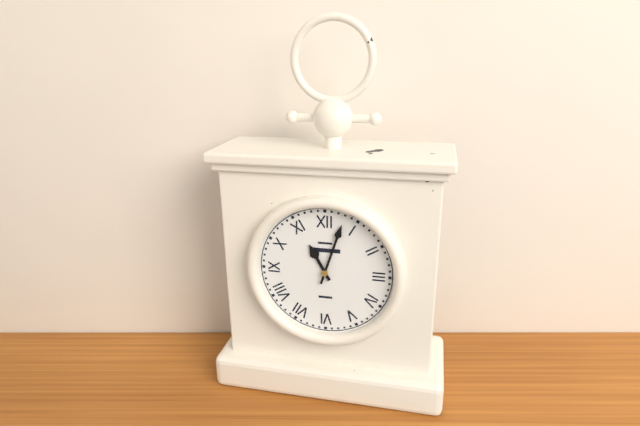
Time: h=11 m=3
